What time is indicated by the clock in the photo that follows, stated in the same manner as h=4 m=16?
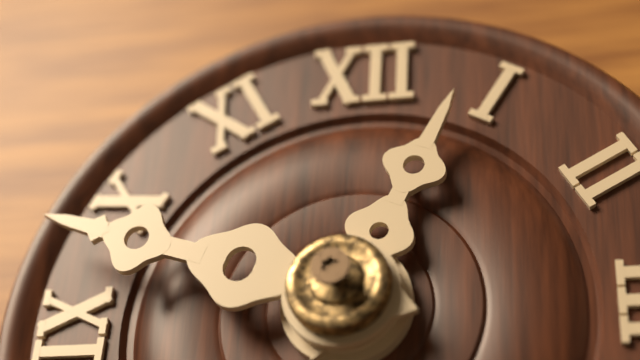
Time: h=12 m=48
